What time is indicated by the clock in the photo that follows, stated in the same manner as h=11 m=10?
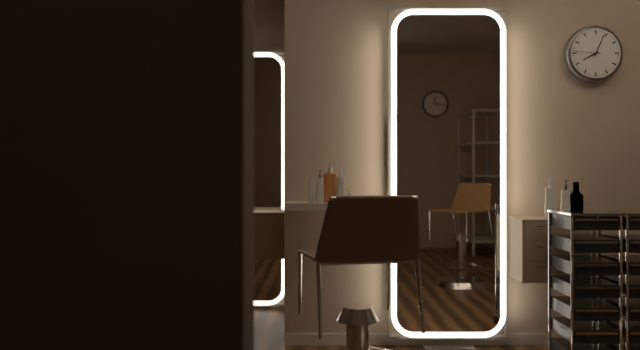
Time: h=8 m=4
